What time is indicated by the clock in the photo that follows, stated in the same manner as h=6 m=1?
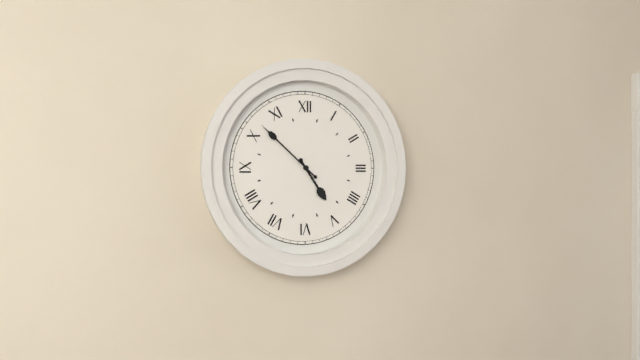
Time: h=4 m=52
